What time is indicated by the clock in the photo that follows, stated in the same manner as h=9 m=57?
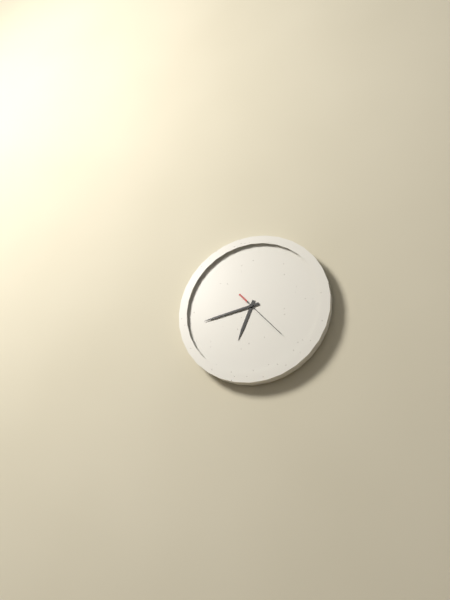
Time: h=6 m=43
